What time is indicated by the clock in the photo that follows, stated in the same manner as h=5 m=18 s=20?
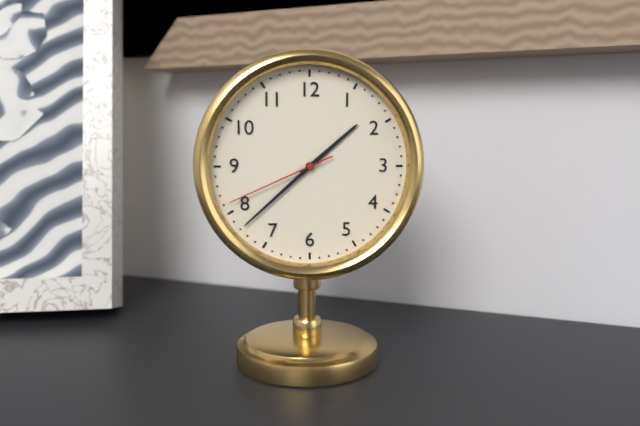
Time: h=1 m=38 s=41
